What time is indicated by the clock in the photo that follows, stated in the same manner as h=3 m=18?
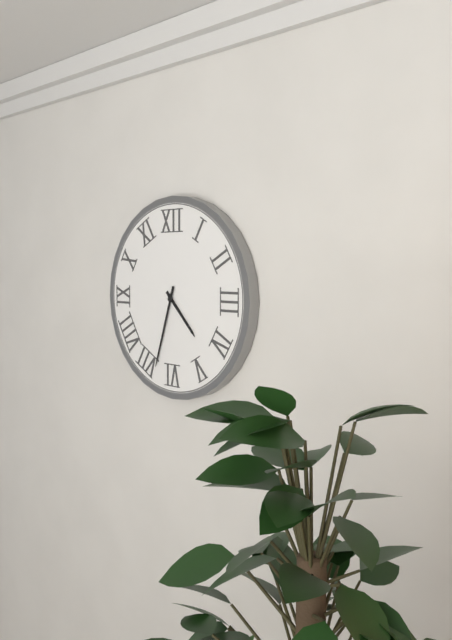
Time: h=4 m=33
